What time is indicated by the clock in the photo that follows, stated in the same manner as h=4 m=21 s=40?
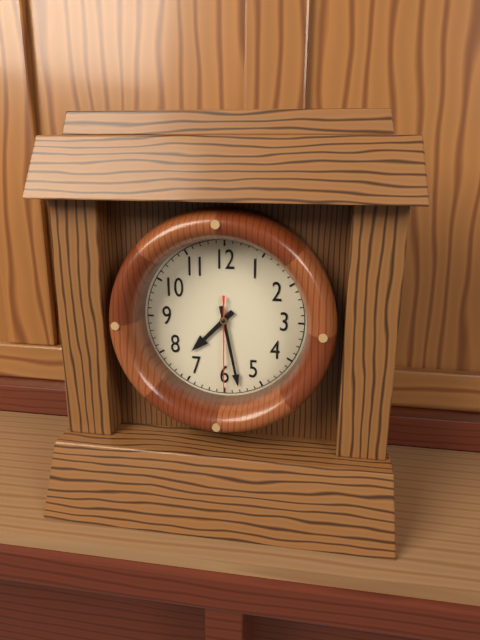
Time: h=7 m=28 s=30
